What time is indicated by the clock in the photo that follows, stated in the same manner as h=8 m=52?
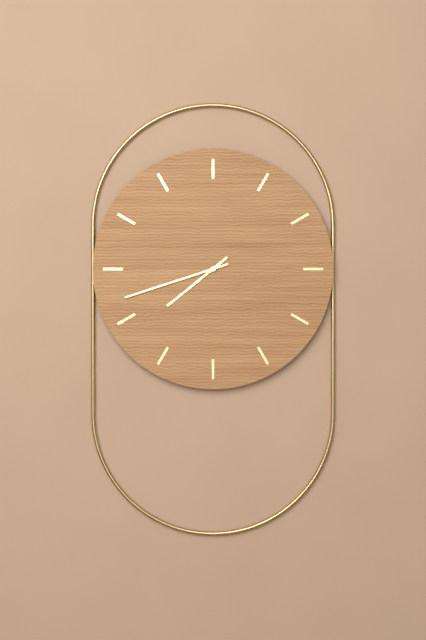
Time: h=7 m=42
